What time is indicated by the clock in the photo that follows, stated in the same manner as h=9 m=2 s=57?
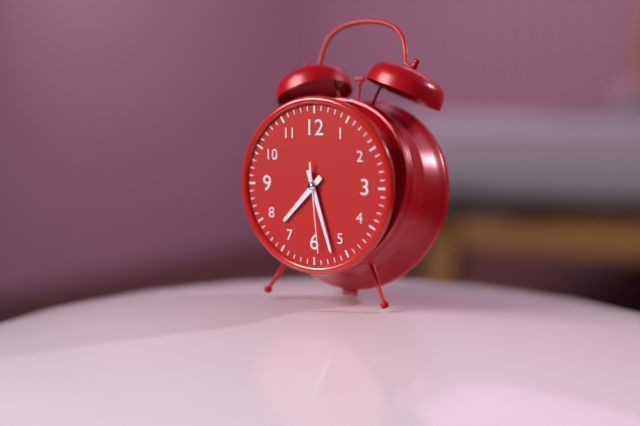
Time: h=7 m=27 s=29
